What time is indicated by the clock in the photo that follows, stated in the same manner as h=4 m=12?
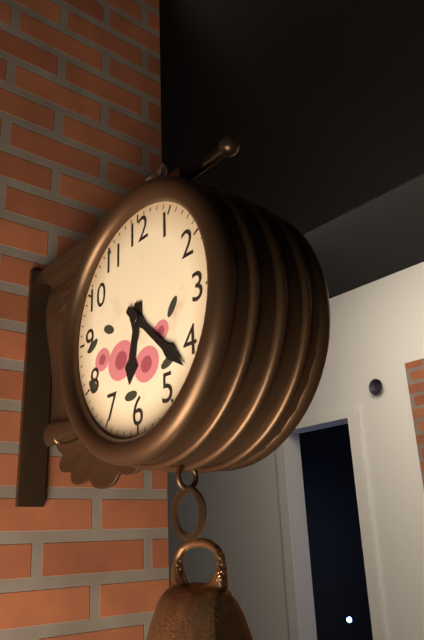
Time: h=6 m=22
